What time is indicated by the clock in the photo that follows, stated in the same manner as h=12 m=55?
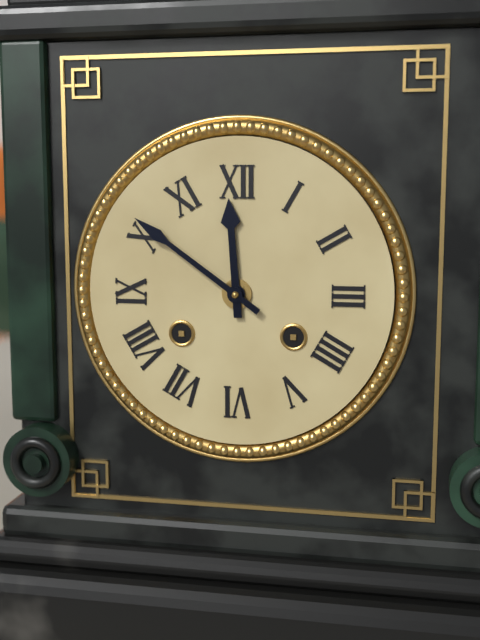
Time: h=11 m=51
